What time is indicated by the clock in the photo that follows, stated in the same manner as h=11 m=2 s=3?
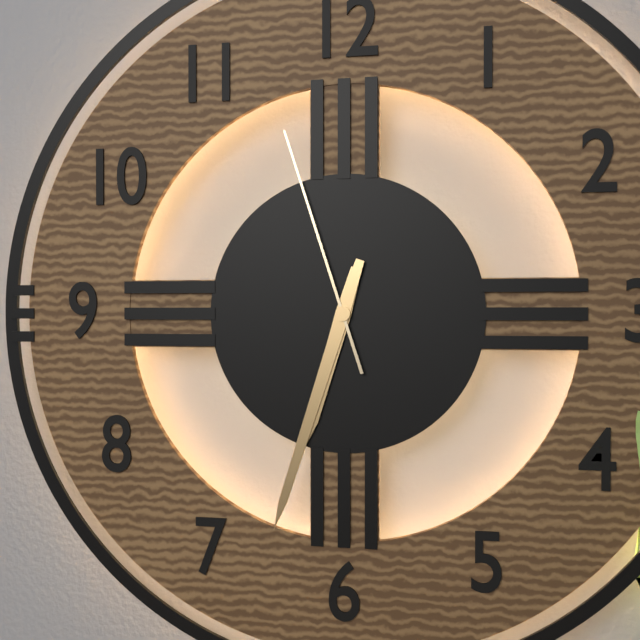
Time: h=6 m=33 s=57
